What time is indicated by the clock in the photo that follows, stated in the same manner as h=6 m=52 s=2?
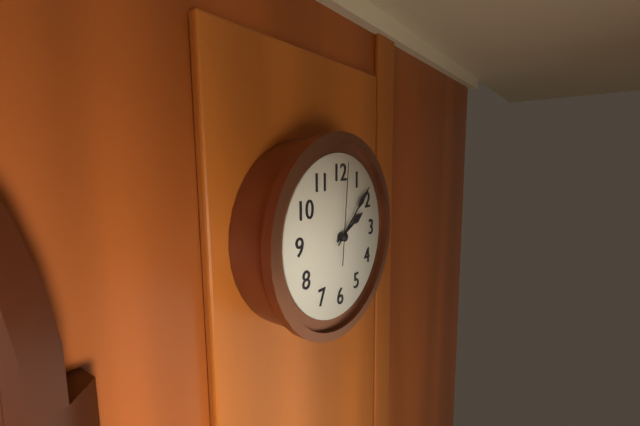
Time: h=2 m=8 s=1
